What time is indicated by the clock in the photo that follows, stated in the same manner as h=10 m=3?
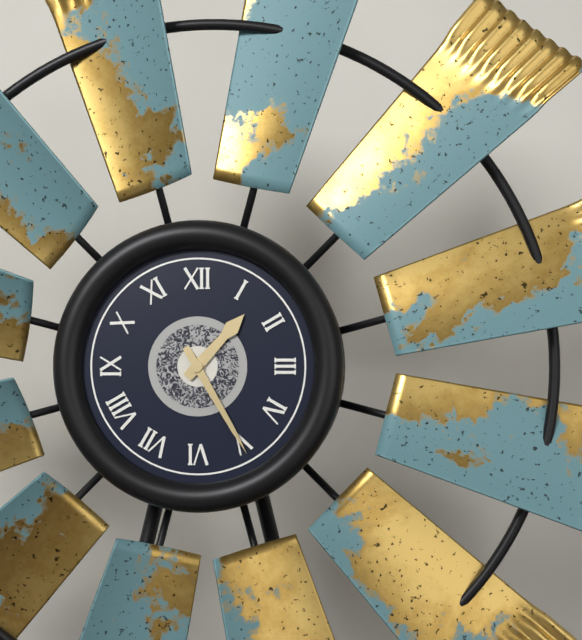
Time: h=1 m=25
